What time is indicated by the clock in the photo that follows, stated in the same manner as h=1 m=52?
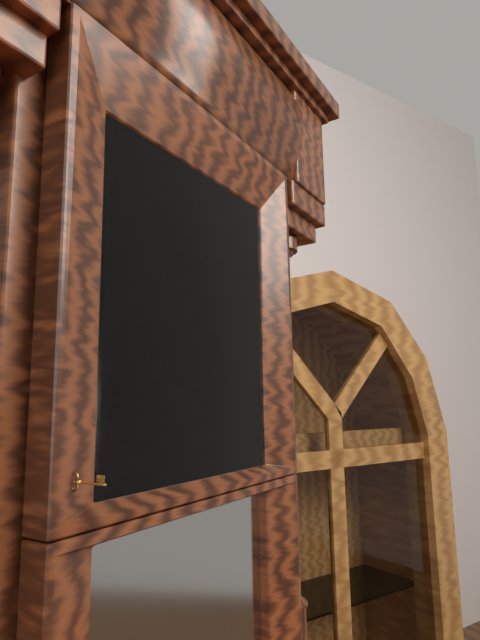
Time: h=4 m=14
